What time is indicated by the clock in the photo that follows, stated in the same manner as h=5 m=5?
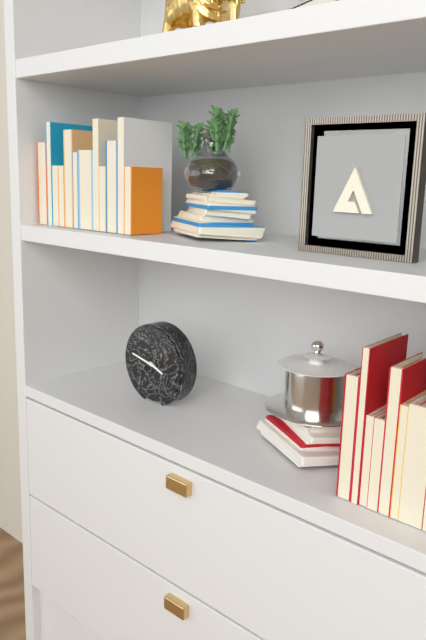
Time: h=3 m=47
